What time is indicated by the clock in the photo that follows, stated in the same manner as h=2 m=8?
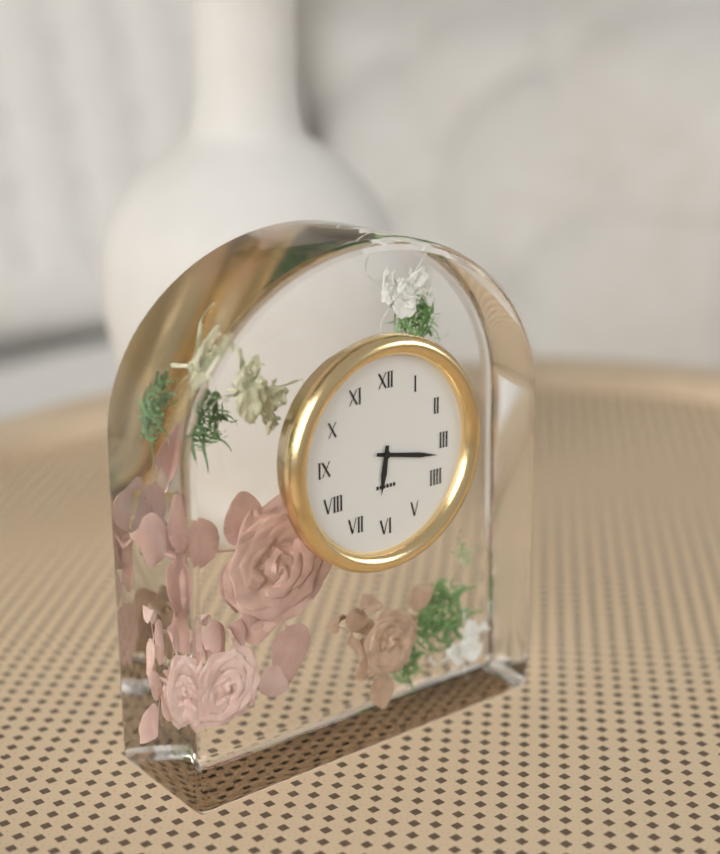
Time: h=6 m=17
